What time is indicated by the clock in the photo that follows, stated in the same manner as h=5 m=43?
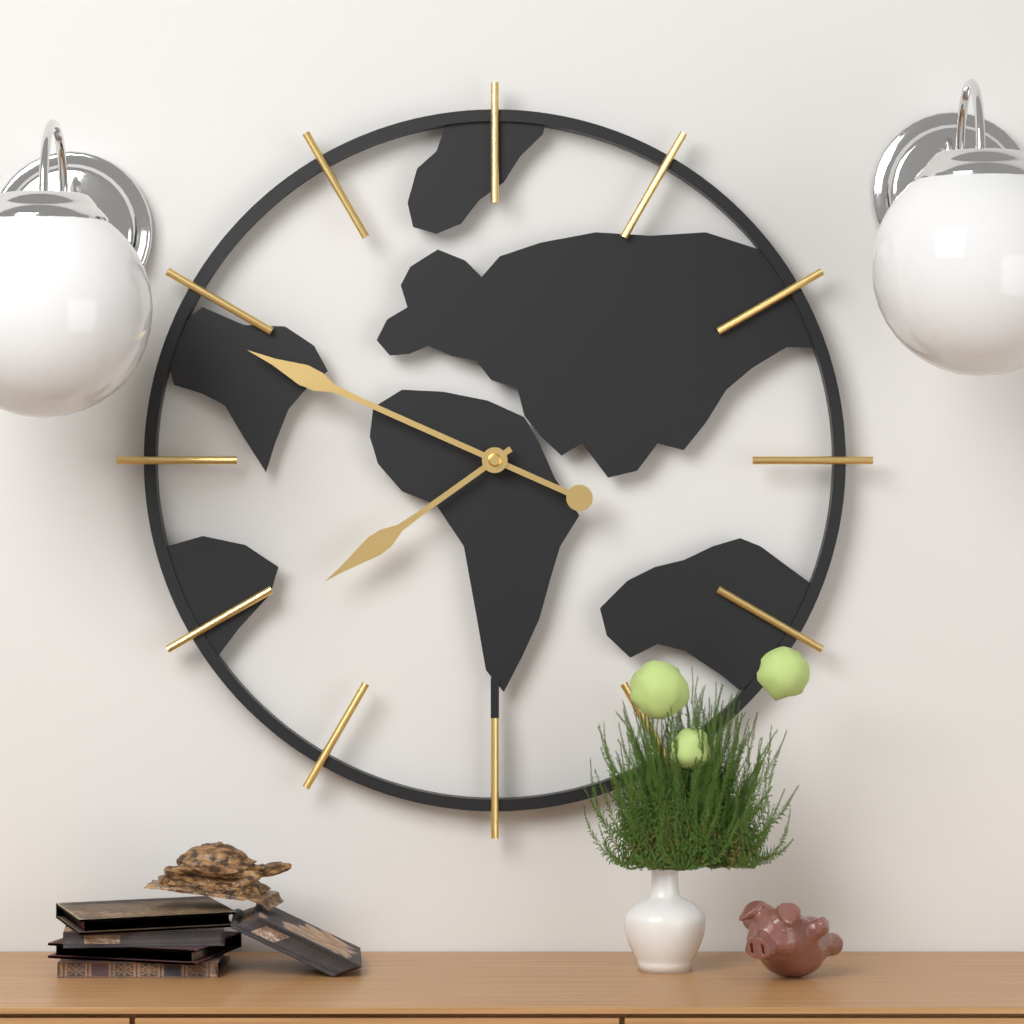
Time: h=7 m=49
